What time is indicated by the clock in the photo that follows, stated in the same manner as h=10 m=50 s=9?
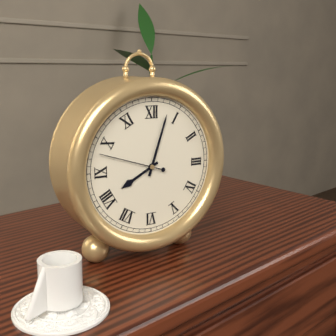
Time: h=8 m=3 s=48
